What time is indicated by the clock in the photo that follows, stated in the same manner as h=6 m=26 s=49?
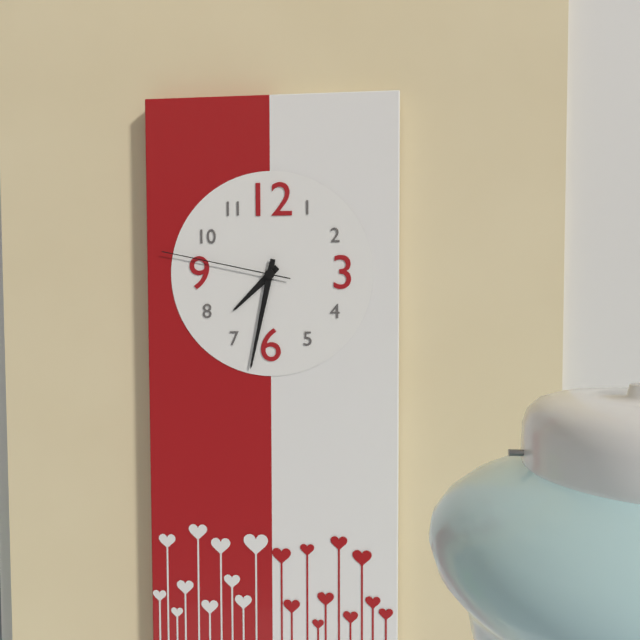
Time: h=7 m=32 s=47
